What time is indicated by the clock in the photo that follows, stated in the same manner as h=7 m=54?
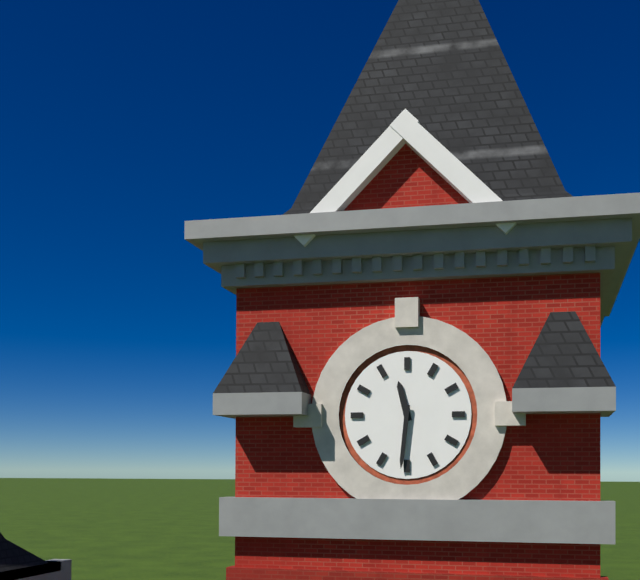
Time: h=11 m=31
